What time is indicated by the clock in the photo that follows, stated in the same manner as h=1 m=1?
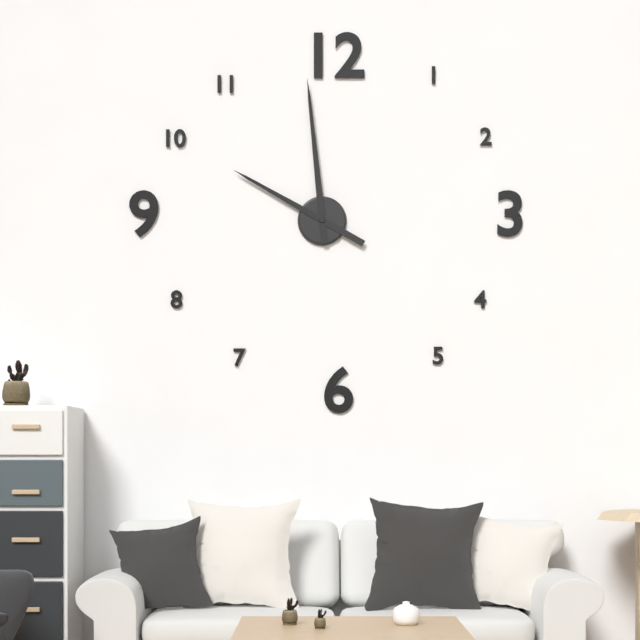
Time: h=9 m=59
